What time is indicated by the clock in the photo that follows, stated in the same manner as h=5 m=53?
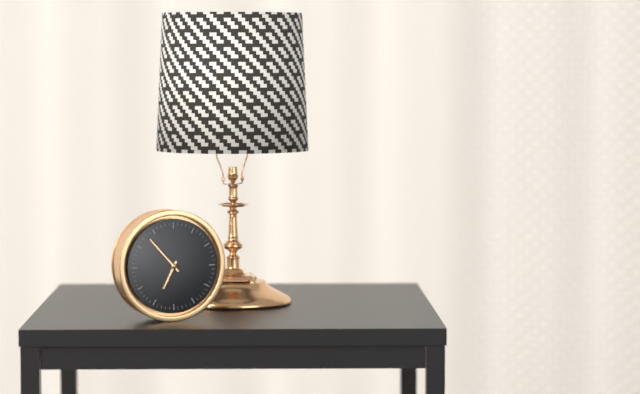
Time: h=6 m=53
